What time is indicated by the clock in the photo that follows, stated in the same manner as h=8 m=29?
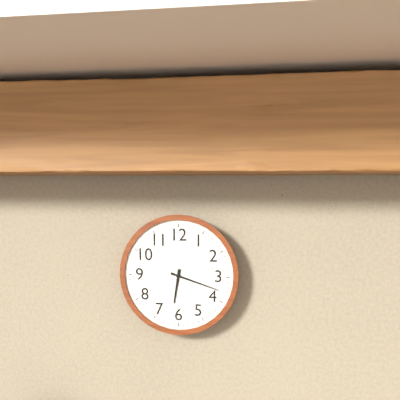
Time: h=6 m=18
